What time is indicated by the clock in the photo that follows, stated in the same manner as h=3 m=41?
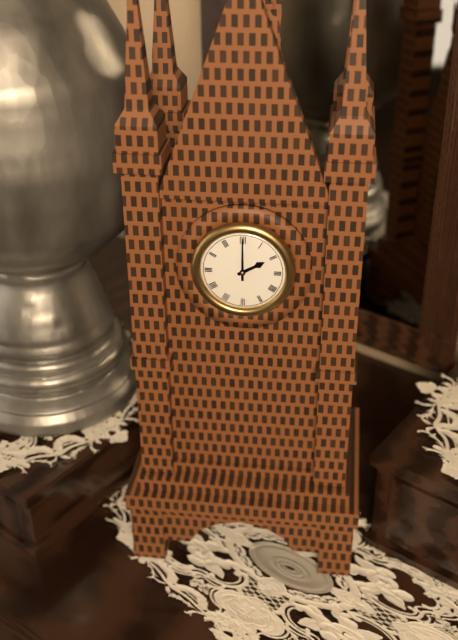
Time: h=2 m=0
